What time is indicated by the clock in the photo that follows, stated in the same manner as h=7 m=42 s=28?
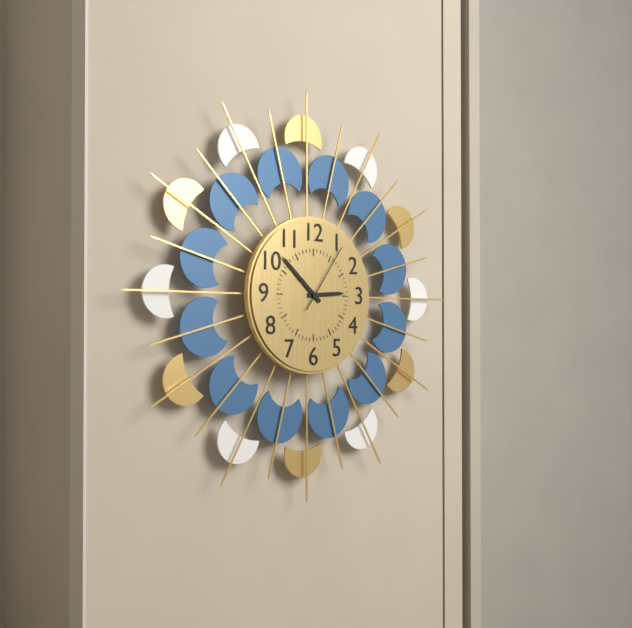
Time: h=2 m=52 s=6
